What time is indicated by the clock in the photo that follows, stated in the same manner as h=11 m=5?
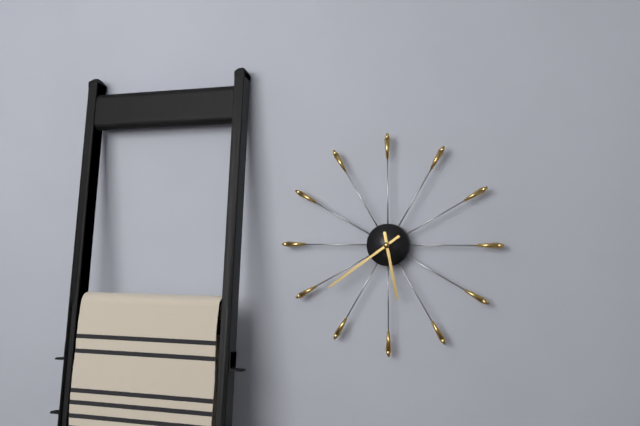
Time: h=5 m=39
